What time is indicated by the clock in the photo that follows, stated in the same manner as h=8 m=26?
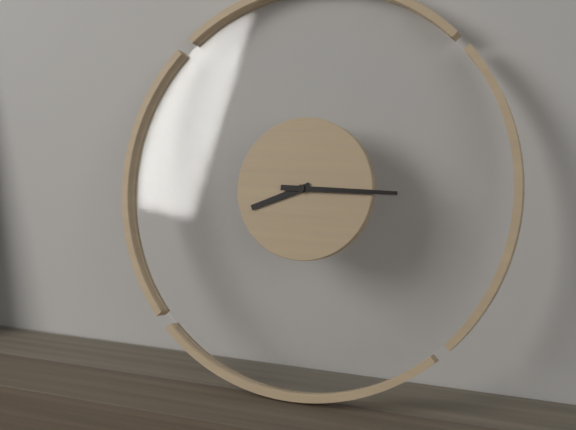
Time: h=8 m=15
